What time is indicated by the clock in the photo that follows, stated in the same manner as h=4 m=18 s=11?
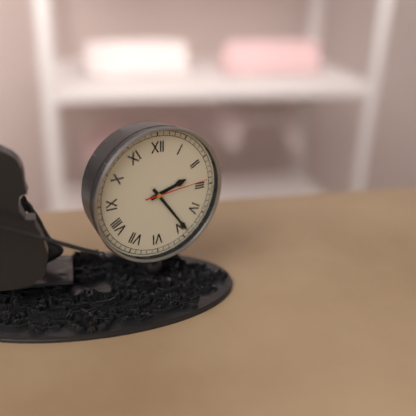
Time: h=2 m=24 s=14
